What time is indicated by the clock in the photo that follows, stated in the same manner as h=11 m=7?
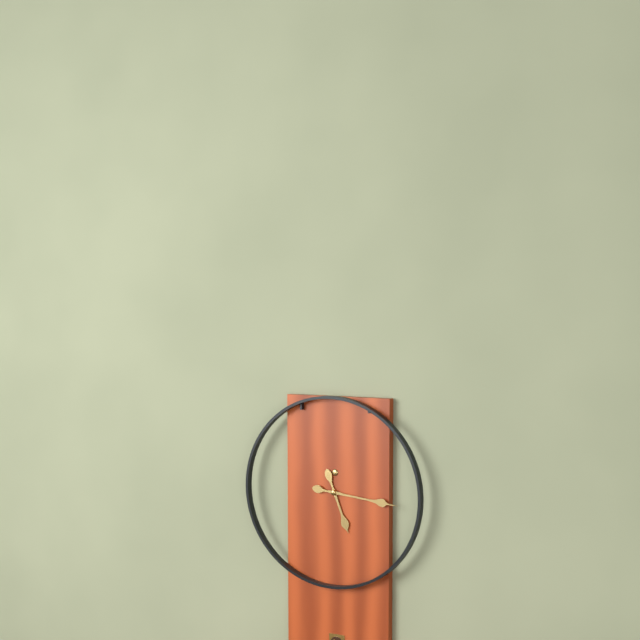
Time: h=5 m=16
